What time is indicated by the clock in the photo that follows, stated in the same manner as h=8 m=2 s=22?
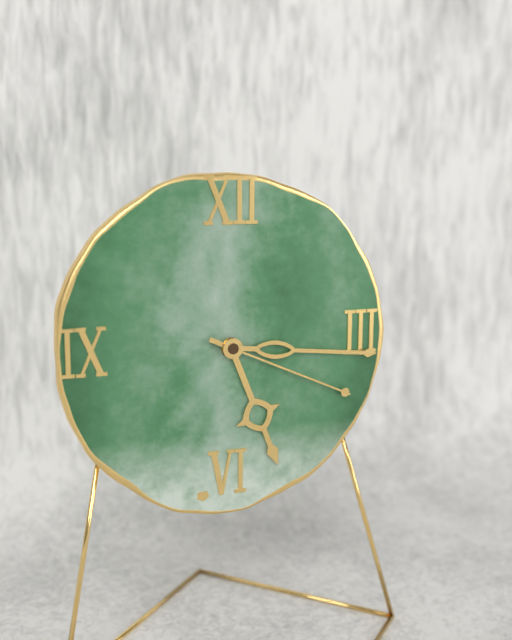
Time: h=5 m=16 s=19
